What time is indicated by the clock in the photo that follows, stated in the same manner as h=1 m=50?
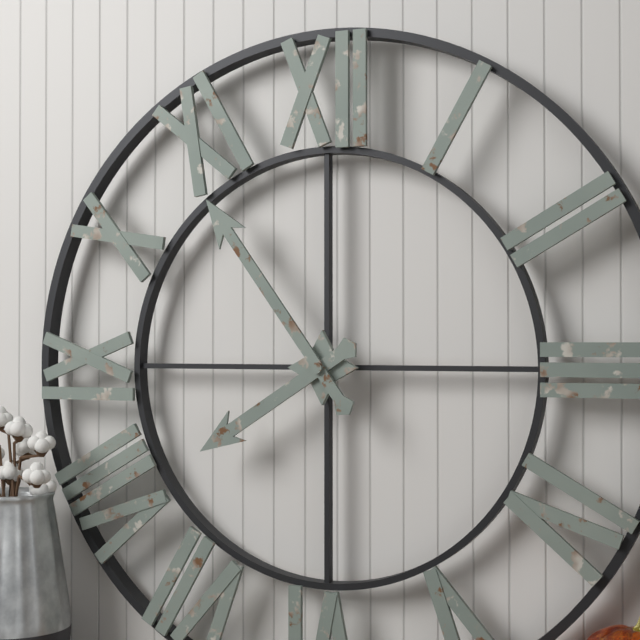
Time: h=7 m=54
